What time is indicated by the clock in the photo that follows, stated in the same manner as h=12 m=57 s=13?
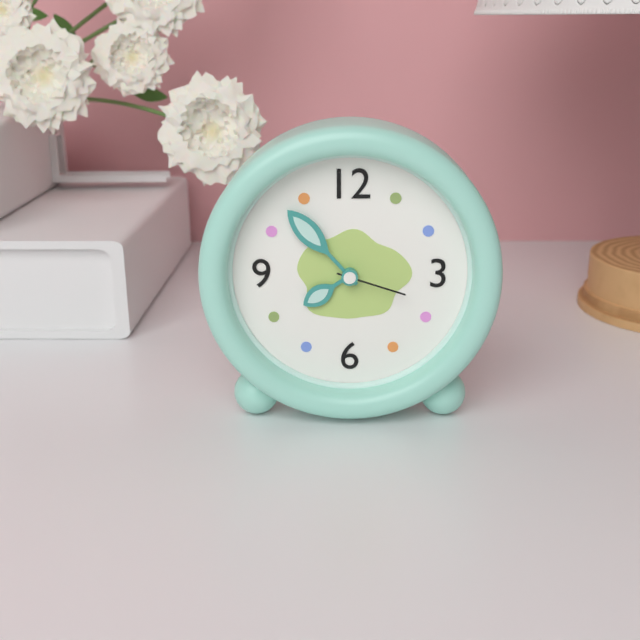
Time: h=7 m=53 s=18
